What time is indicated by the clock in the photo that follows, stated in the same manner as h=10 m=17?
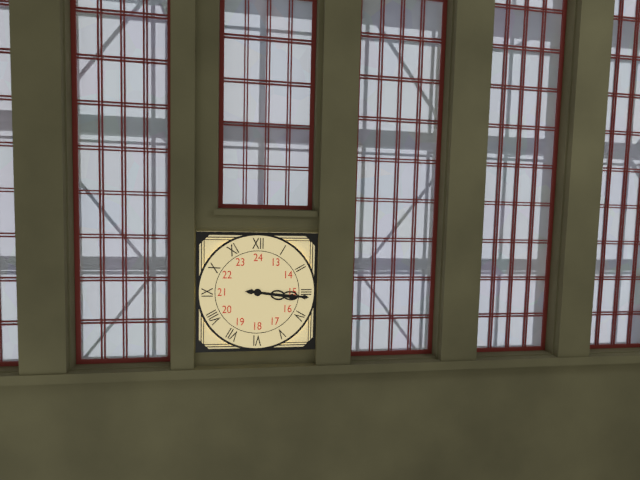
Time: h=3 m=16
